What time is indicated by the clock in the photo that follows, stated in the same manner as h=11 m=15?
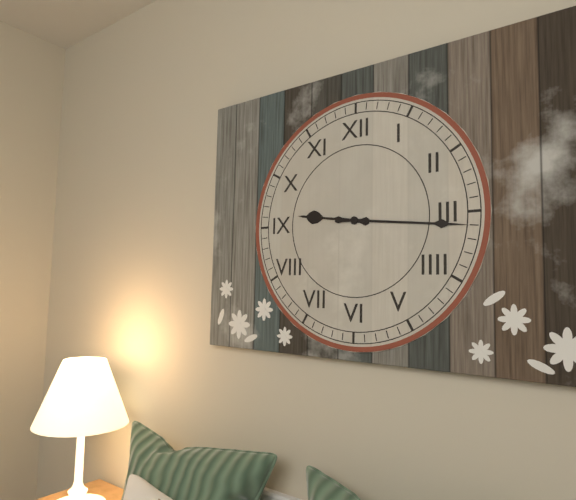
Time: h=9 m=16
